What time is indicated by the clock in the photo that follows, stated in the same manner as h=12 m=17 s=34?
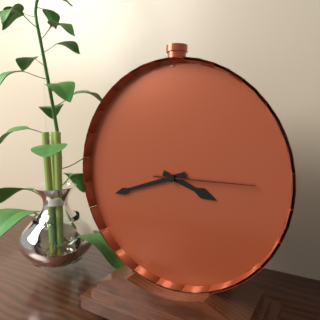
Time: h=3 m=42 s=15
